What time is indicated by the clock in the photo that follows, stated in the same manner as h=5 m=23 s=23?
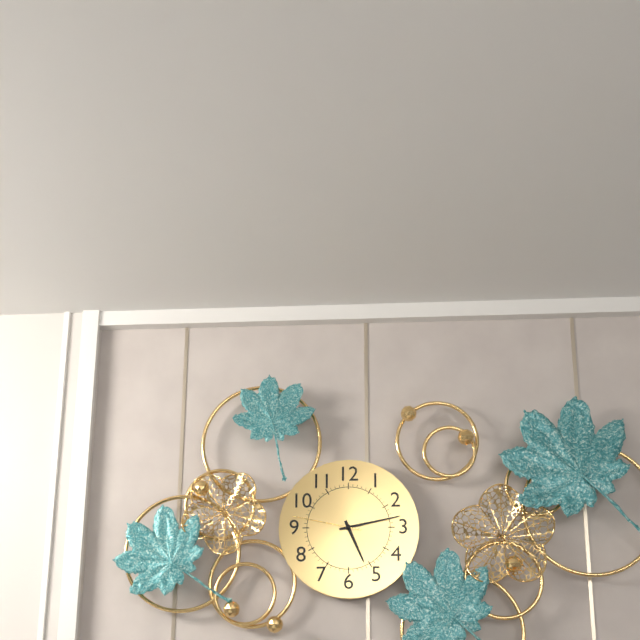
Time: h=5 m=13 s=47
